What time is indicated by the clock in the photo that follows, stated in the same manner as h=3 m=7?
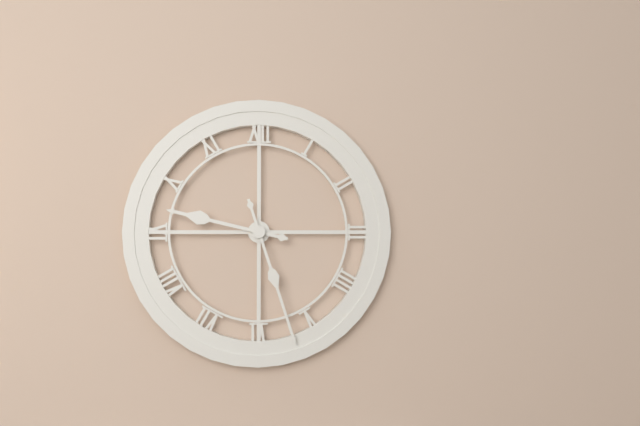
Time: h=9 m=27
